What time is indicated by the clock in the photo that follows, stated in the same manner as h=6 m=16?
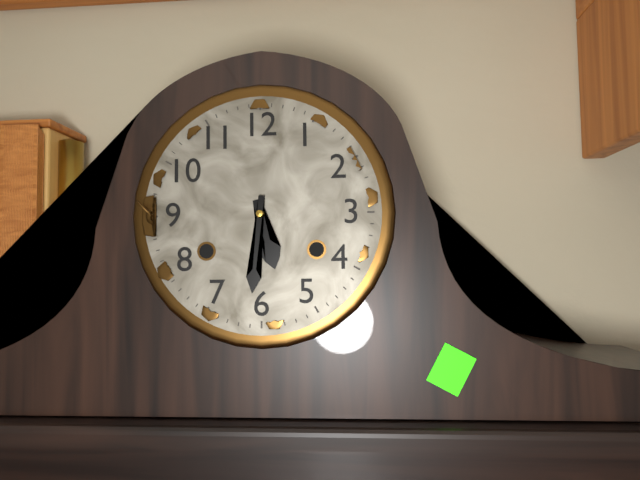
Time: h=5 m=31
